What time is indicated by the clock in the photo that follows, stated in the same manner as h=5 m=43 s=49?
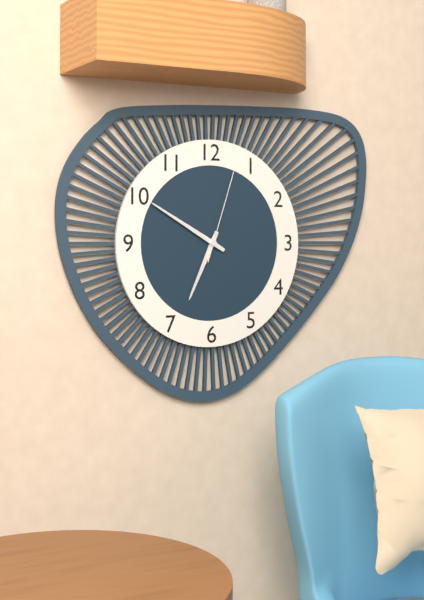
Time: h=6 m=50 s=3
